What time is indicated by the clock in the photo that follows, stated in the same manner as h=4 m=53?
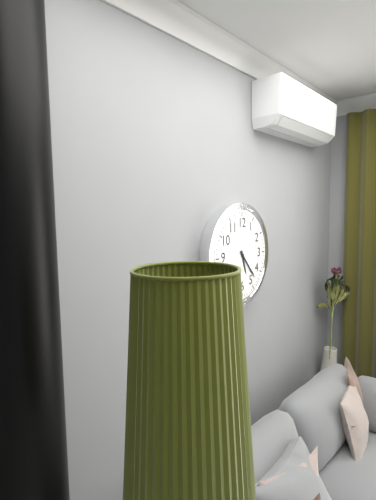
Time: h=5 m=23
